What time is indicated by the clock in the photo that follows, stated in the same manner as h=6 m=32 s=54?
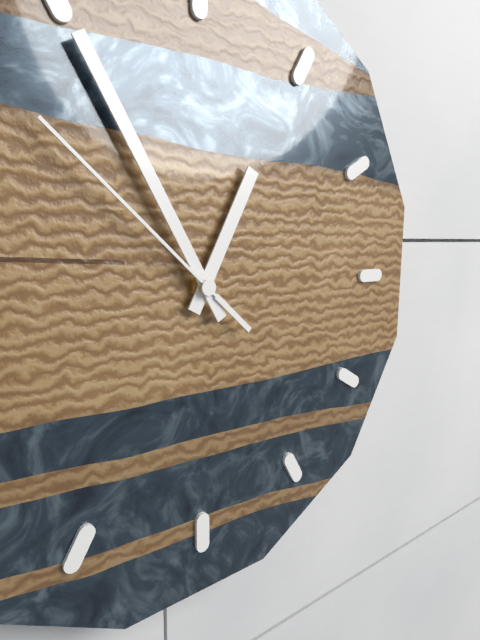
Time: h=12 m=55 s=52
